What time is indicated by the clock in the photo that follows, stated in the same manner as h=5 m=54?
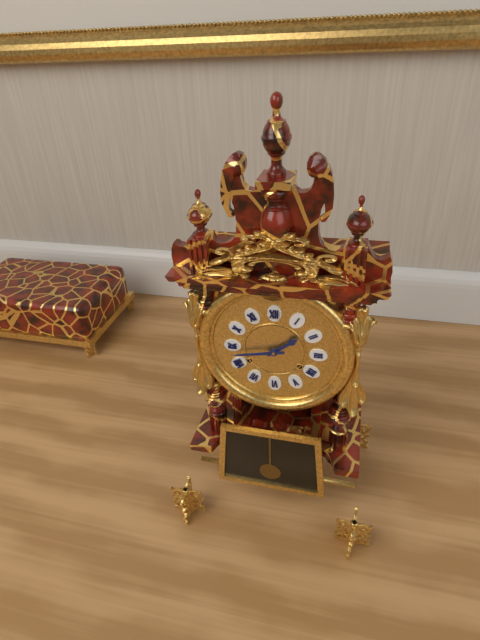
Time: h=1 m=43
